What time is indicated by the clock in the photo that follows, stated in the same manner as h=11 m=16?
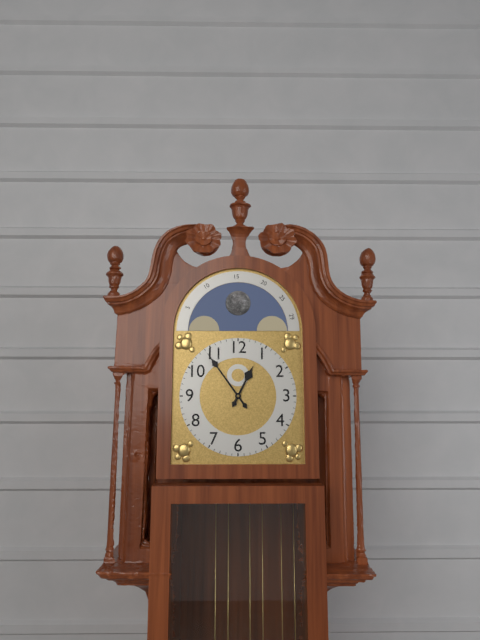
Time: h=12 m=54
